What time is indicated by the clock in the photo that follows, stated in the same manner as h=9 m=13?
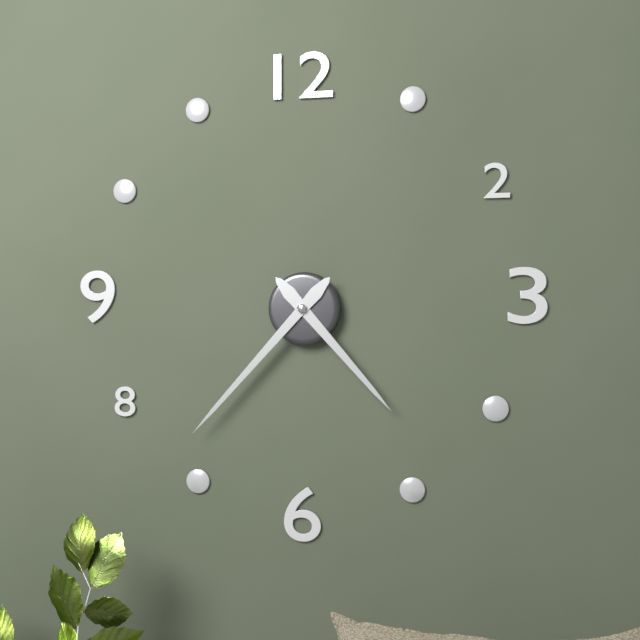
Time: h=4 m=37
